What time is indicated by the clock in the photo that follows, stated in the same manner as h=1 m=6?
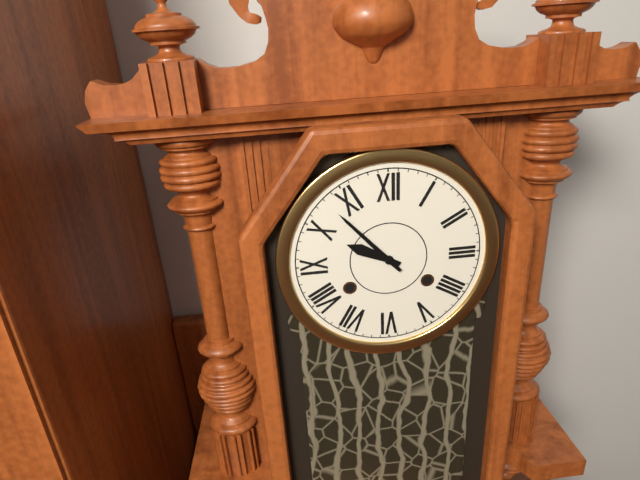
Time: h=9 m=53
